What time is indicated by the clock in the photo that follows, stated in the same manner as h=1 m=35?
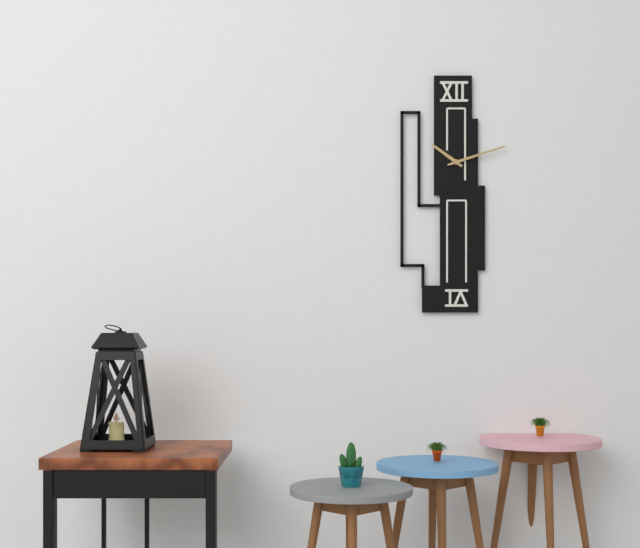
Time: h=10 m=12
